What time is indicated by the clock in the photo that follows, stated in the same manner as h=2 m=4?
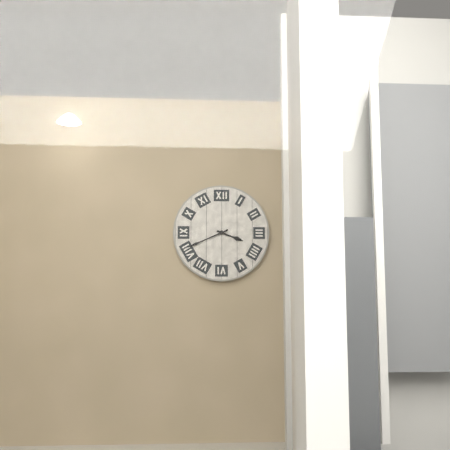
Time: h=3 m=41
